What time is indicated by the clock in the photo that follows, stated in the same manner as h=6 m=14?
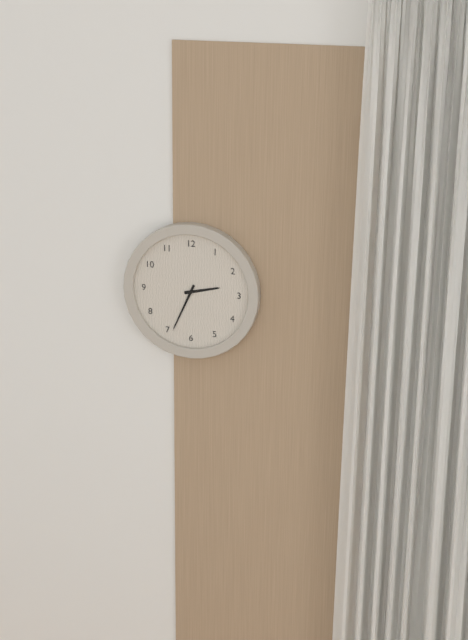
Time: h=2 m=34
